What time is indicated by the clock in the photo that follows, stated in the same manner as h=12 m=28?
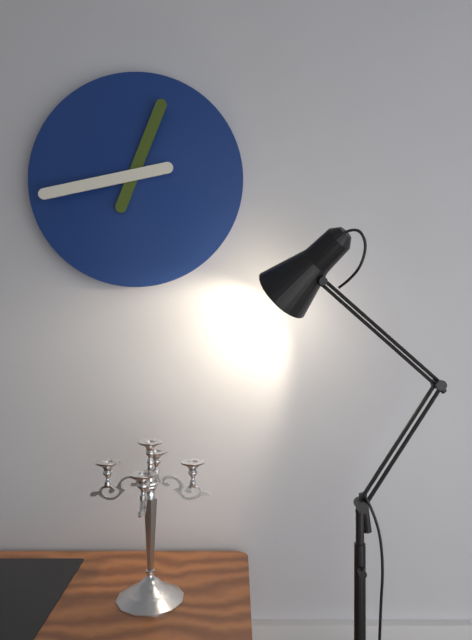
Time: h=12 m=43
